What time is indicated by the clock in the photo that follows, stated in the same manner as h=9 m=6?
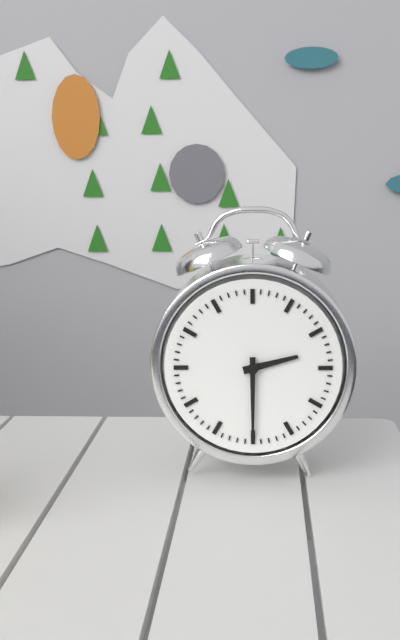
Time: h=2 m=30
